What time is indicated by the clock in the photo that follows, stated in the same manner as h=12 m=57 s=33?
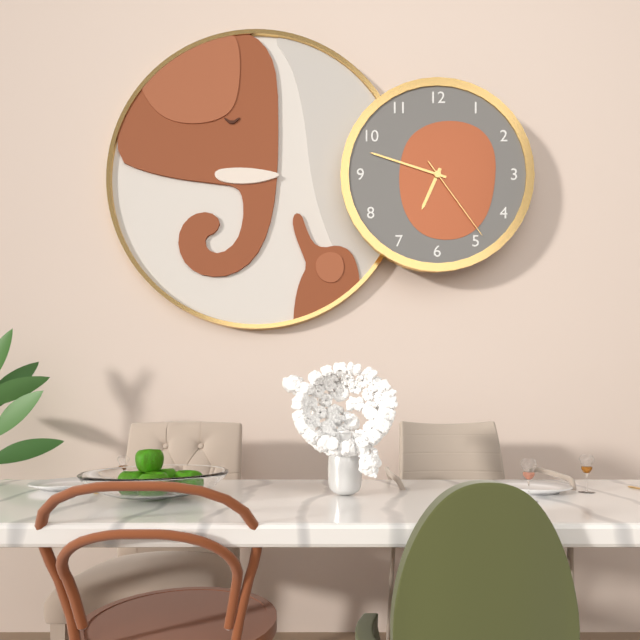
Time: h=6 m=48 s=24
